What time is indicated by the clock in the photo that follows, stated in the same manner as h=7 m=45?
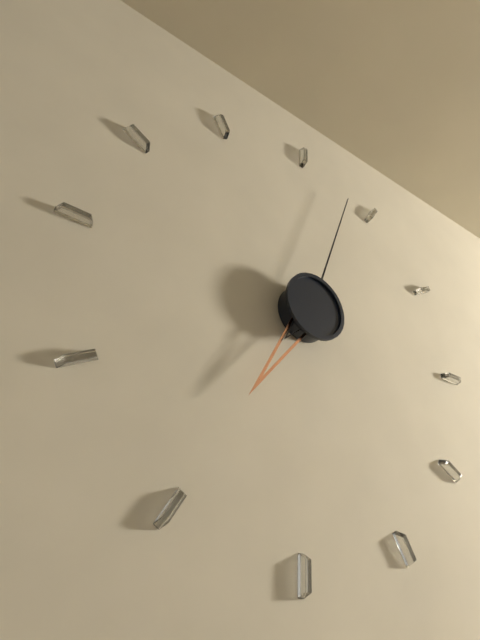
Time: h=7 m=3
